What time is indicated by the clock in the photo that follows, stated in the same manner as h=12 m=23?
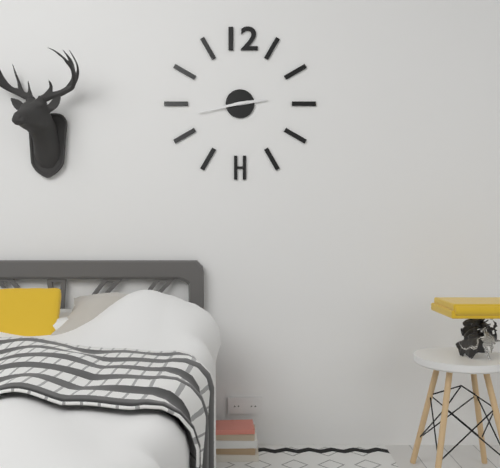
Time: h=2 m=43
